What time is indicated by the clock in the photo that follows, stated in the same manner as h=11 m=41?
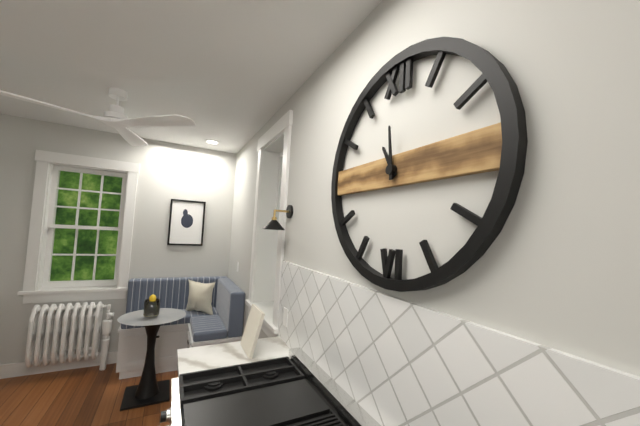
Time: h=10 m=59
